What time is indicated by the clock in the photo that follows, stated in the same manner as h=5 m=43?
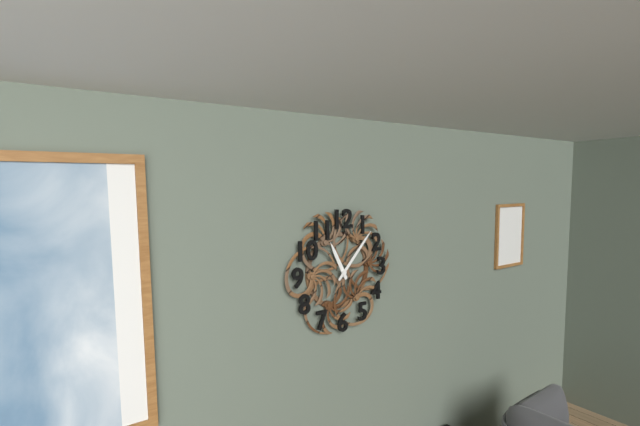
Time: h=11 m=7
